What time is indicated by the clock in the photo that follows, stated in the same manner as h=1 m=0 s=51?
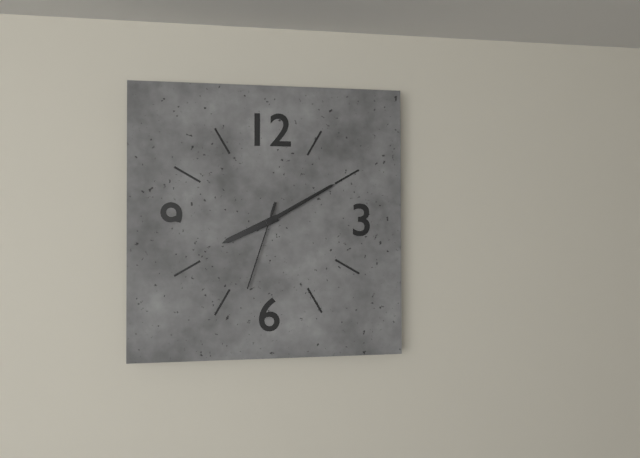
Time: h=8 m=10 s=33
